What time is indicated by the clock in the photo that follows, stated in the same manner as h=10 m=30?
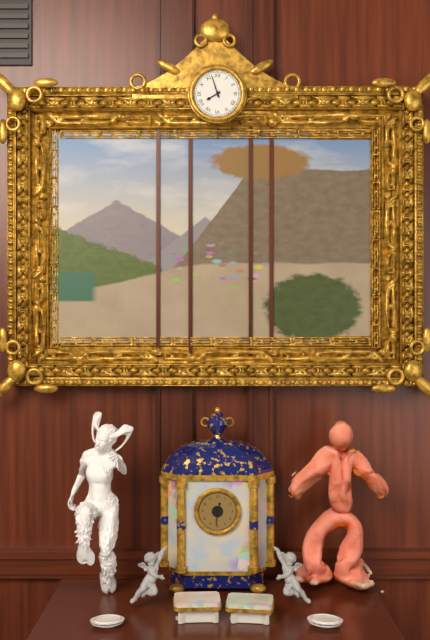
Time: h=7 m=57
